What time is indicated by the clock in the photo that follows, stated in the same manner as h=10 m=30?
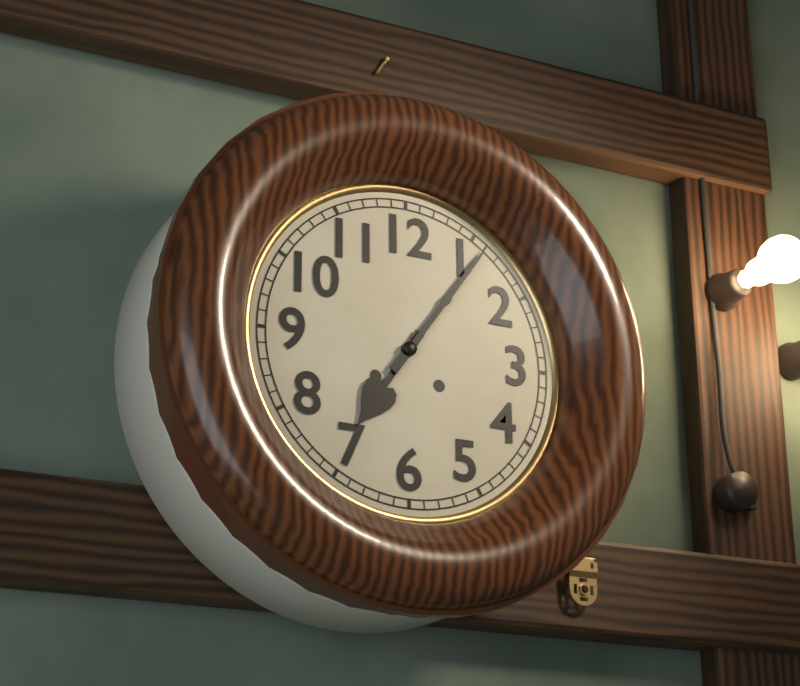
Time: h=7 m=6
